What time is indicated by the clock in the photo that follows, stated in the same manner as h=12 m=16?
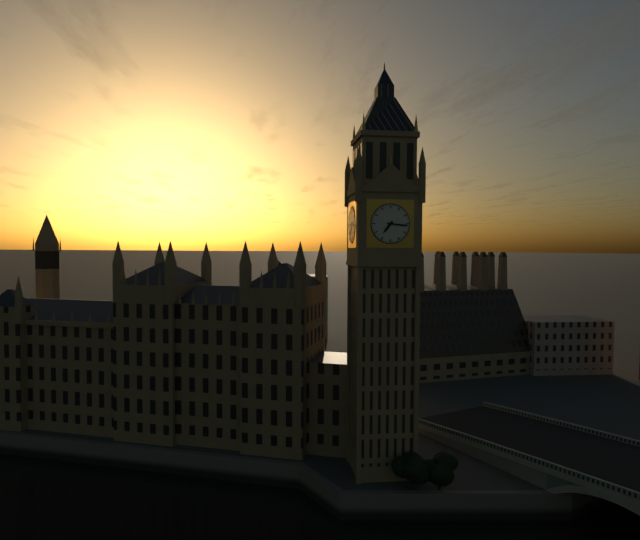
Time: h=7 m=16
